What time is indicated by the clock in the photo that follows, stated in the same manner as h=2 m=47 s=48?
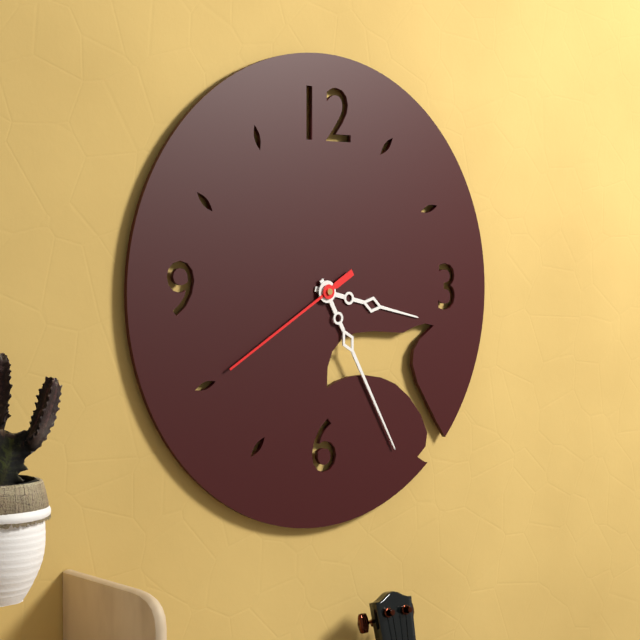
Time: h=3 m=25 s=40
